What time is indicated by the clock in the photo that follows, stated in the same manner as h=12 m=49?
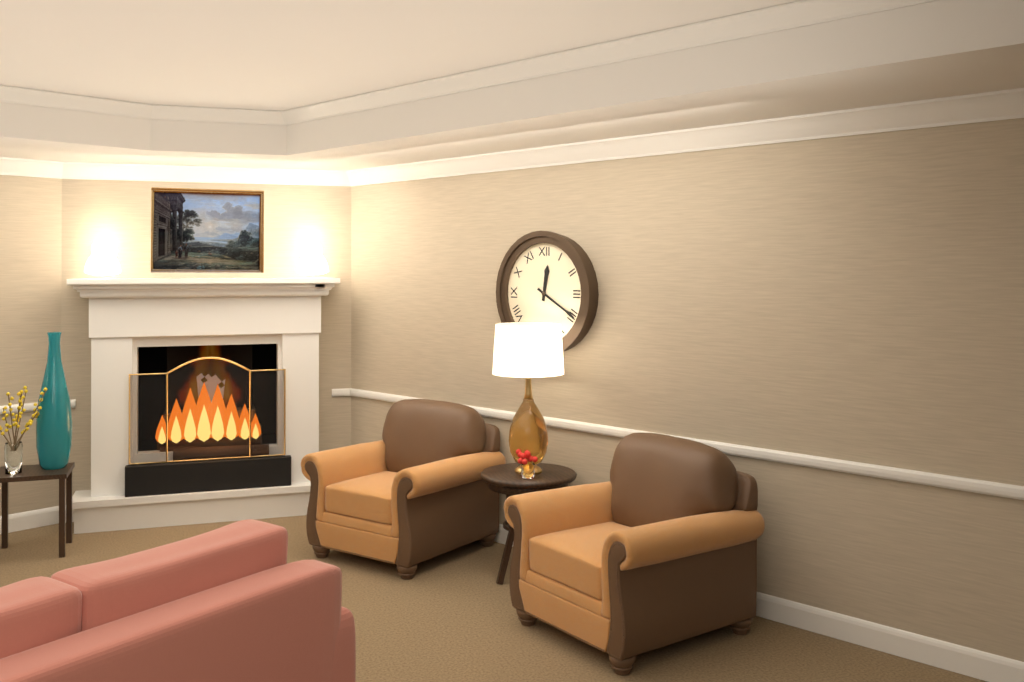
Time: h=12 m=20
